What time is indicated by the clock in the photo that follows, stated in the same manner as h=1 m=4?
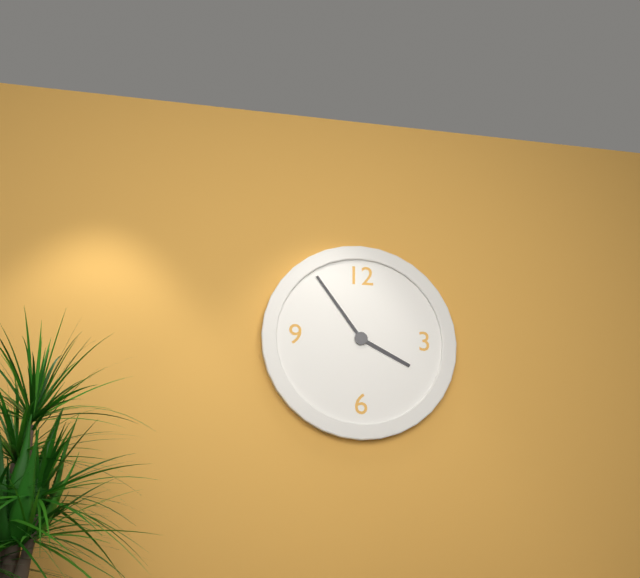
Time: h=3 m=54
